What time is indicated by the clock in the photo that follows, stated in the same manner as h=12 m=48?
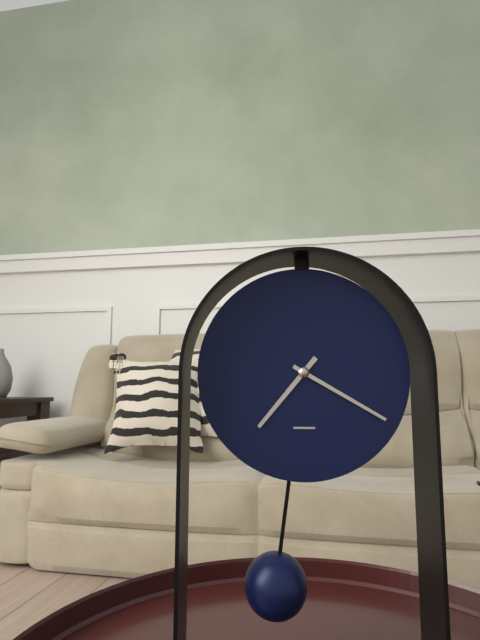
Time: h=7 m=20
